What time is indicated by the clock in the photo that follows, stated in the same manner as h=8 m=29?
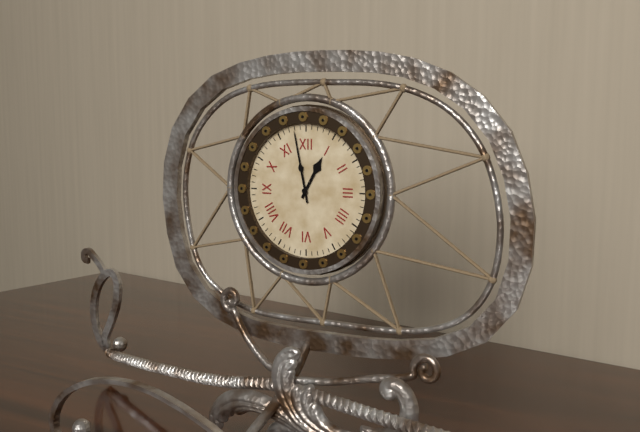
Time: h=12 m=58
